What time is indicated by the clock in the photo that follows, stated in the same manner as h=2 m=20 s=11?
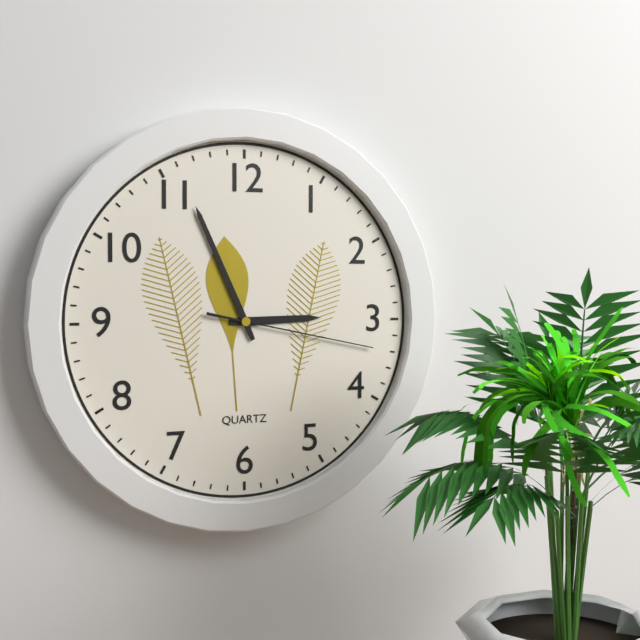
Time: h=2 m=56 s=17
